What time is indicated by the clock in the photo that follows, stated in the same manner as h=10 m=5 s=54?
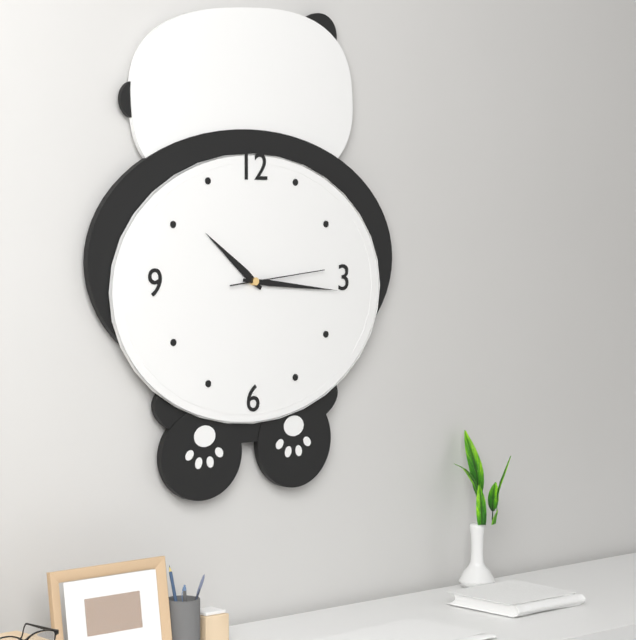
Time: h=10 m=16 s=14
